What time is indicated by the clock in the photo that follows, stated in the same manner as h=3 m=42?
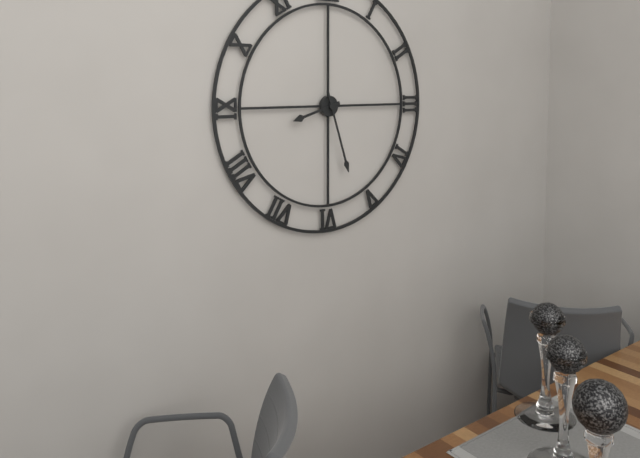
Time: h=8 m=27
